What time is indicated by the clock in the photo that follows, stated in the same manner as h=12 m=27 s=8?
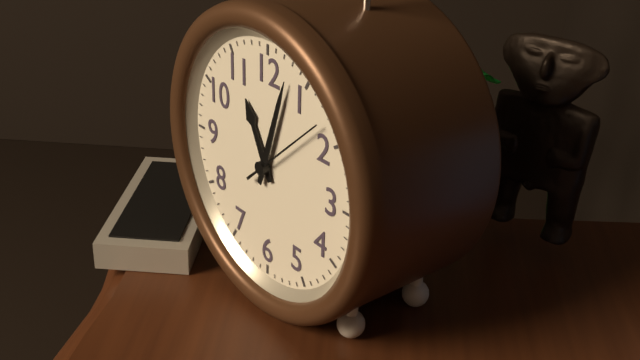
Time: h=11 m=3 s=8
